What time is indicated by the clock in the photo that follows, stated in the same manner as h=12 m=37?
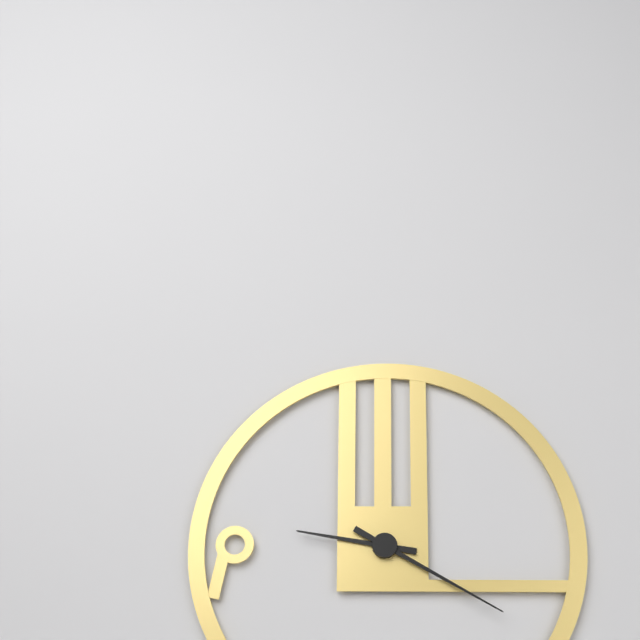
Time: h=9 m=20
